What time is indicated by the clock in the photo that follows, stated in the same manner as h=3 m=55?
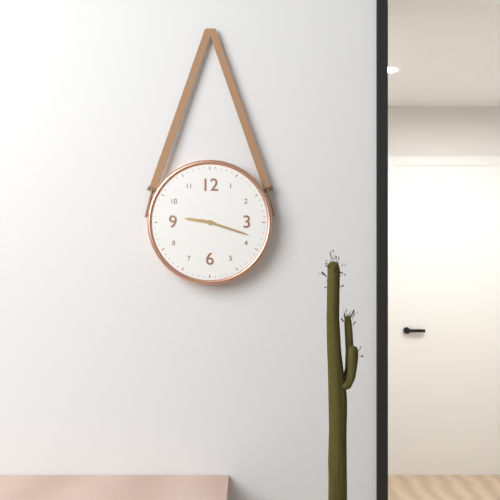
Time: h=9 m=18
